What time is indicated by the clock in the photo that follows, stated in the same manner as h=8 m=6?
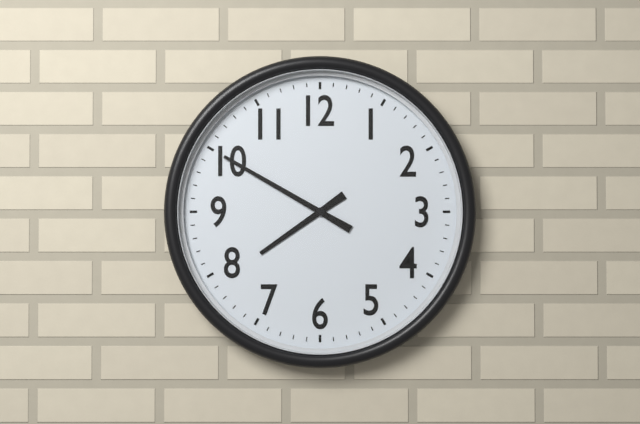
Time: h=7 m=50
